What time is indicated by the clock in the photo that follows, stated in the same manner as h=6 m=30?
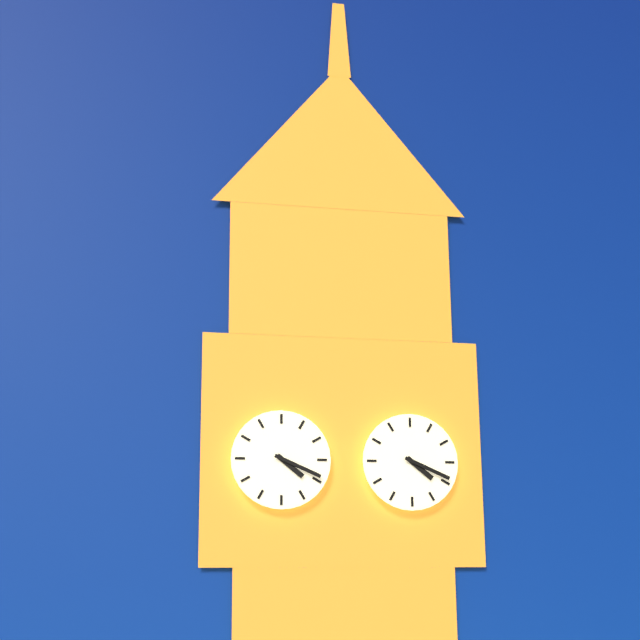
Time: h=4 m=19
